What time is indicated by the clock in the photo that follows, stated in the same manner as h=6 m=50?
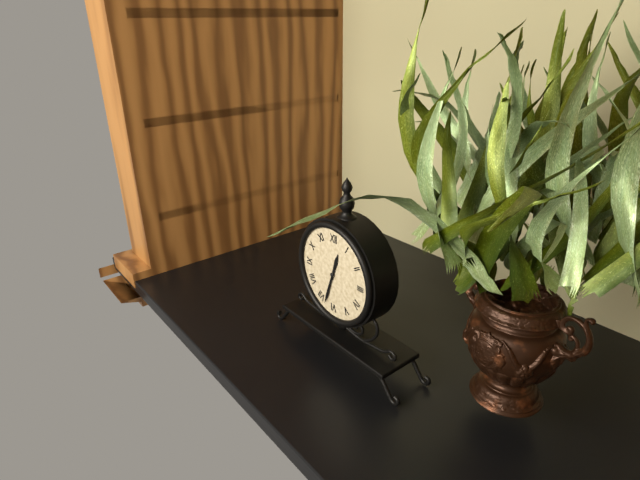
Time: h=12 m=33
